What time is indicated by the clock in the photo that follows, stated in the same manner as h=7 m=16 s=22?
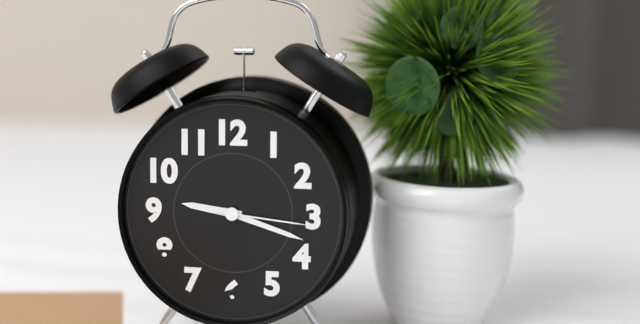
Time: h=9 m=18 s=16
